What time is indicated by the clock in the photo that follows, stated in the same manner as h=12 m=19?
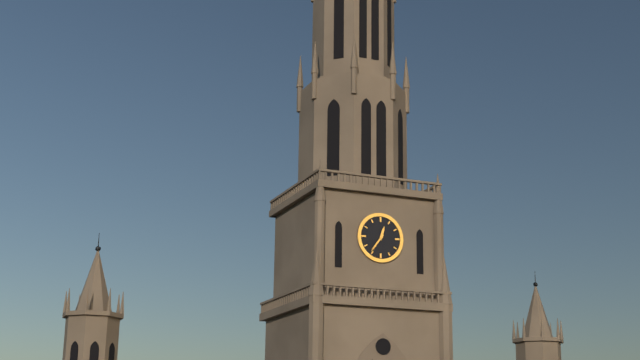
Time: h=12 m=36
